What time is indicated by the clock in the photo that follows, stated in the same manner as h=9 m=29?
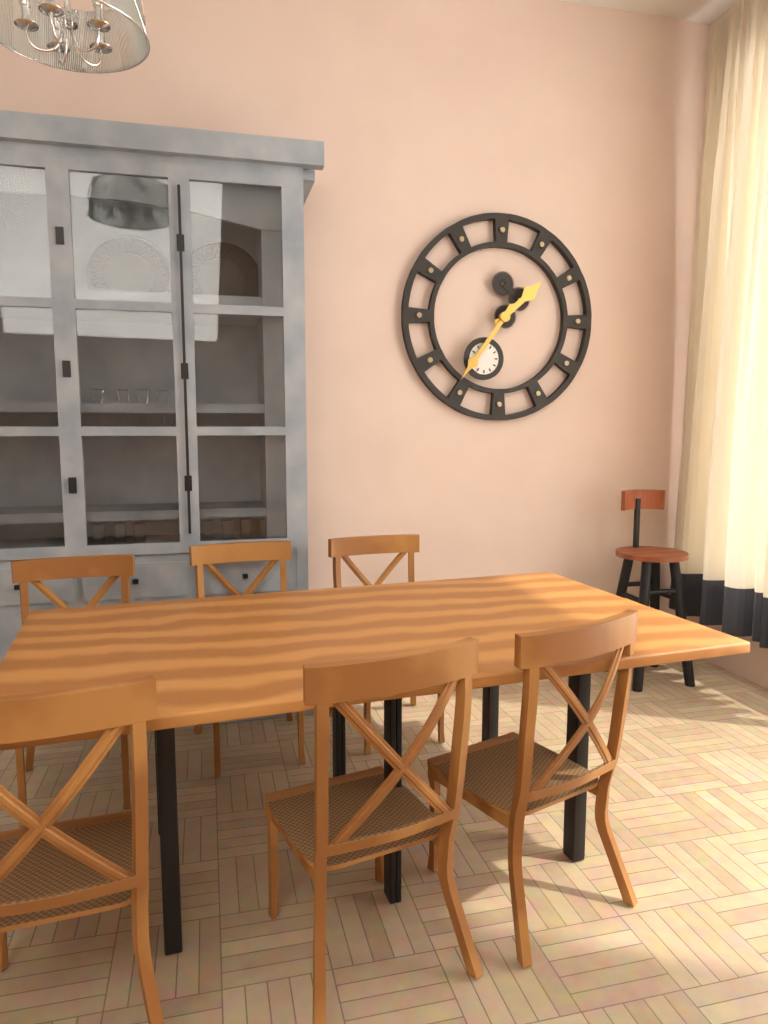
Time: h=1 m=36
